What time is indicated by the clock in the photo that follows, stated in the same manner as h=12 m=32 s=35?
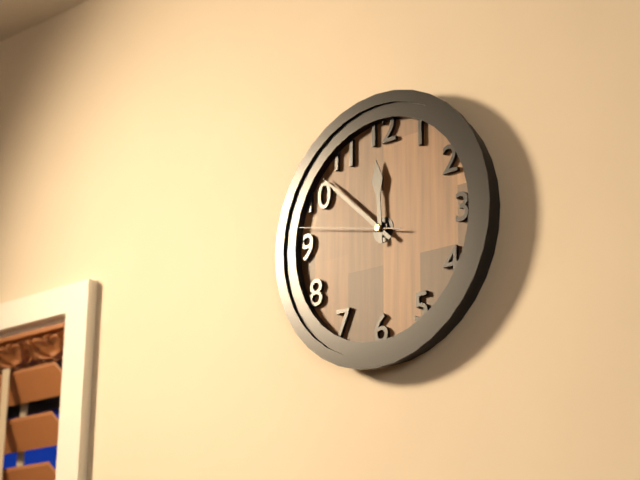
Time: h=11 m=52 s=47
